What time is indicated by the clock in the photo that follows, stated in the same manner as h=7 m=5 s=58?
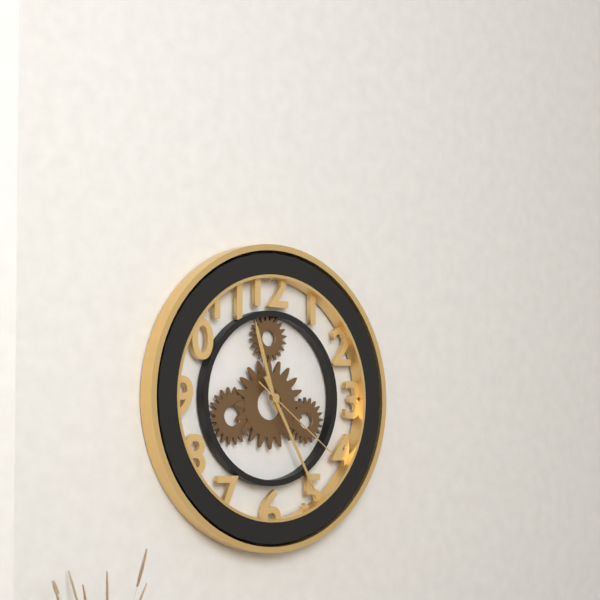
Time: h=11 m=25 s=21
